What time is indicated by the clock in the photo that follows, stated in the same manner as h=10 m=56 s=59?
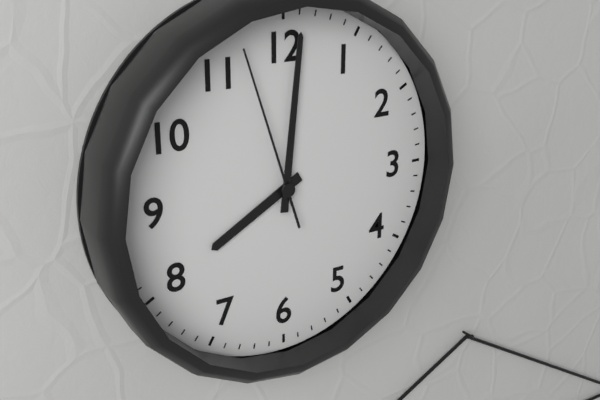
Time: h=8 m=1 s=57
